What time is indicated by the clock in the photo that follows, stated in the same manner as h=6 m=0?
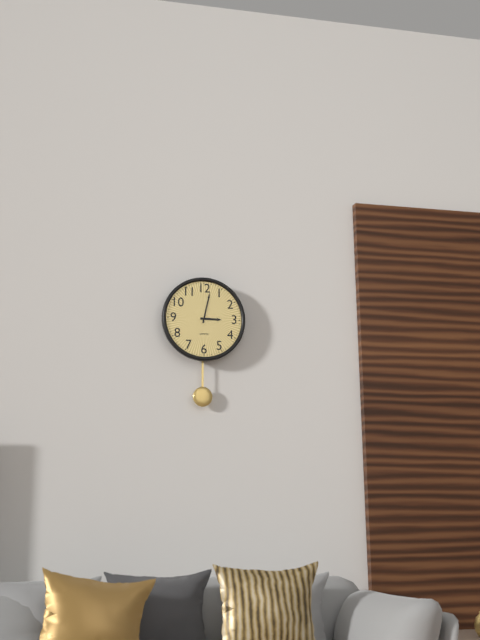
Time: h=3 m=2
